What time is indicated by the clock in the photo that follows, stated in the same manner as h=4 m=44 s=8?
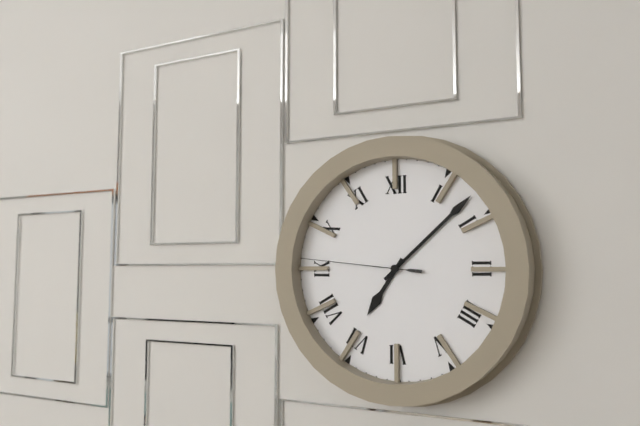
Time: h=7 m=8 s=46
